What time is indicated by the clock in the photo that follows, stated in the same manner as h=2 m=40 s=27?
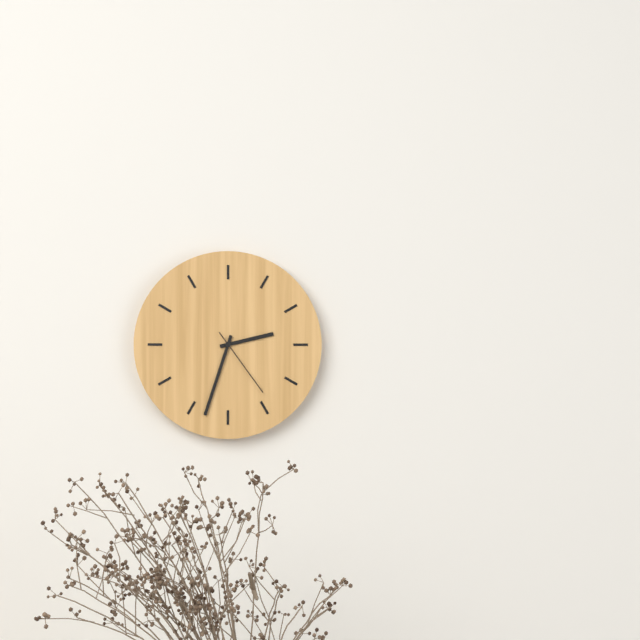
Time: h=2 m=33 s=24
